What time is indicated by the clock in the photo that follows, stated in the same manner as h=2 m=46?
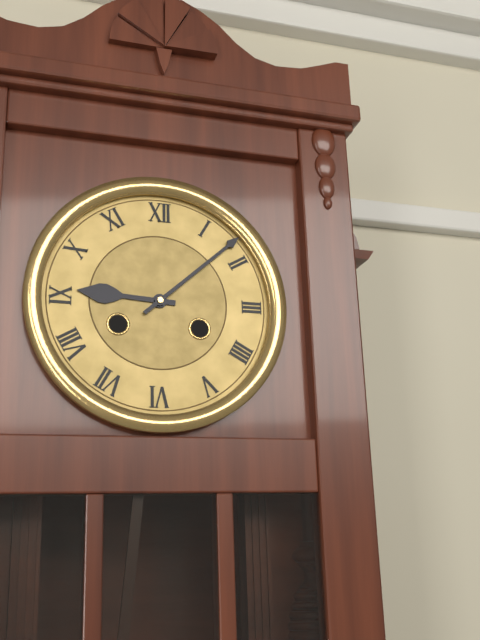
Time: h=9 m=8
